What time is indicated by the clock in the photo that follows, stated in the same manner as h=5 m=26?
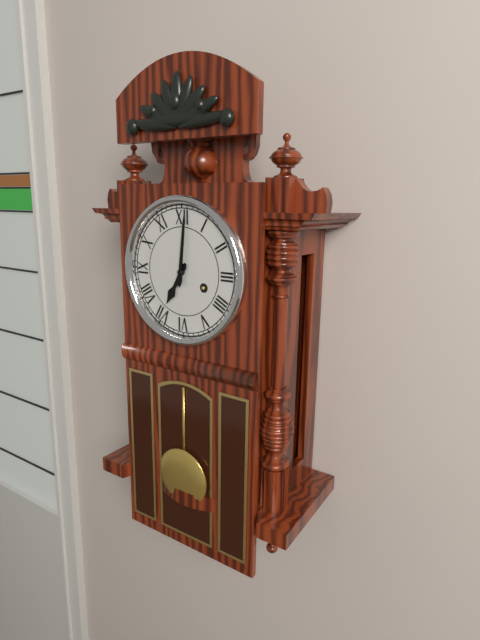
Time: h=7 m=1
